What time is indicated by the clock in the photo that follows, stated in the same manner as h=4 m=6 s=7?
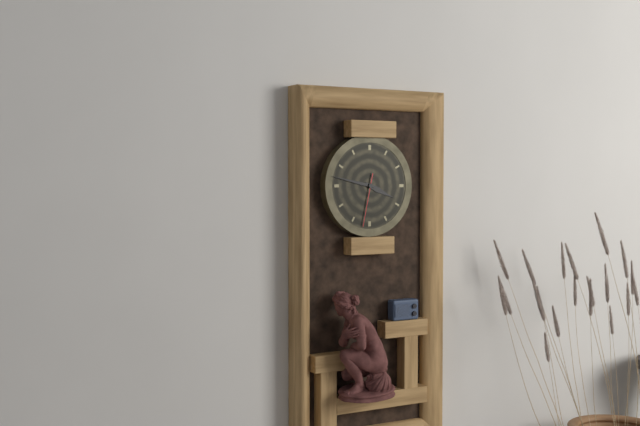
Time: h=3 m=47 s=32
